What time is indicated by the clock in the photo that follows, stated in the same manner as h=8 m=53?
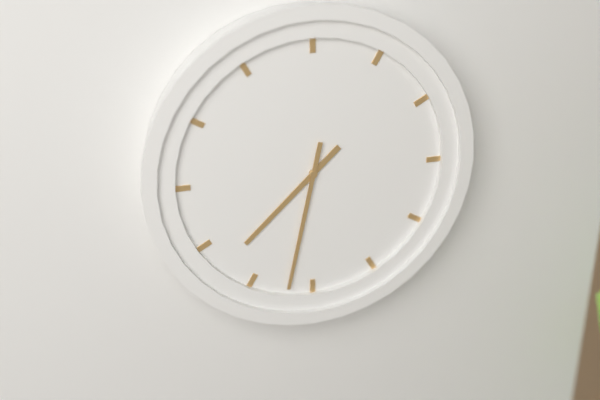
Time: h=7 m=32
